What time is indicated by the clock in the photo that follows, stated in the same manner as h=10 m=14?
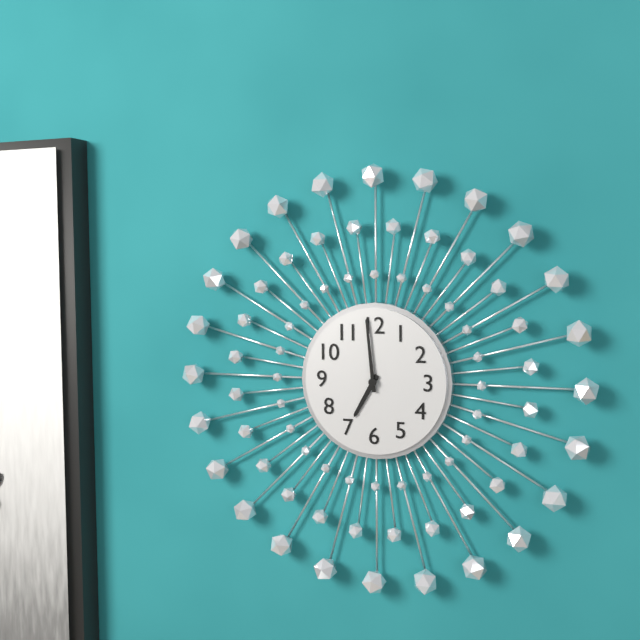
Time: h=6 m=59
